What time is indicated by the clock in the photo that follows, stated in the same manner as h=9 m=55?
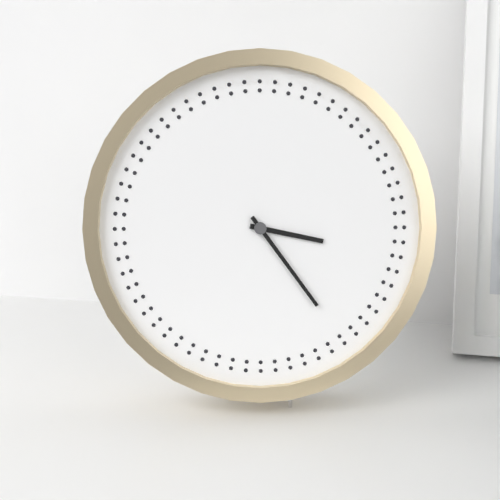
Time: h=3 m=24
